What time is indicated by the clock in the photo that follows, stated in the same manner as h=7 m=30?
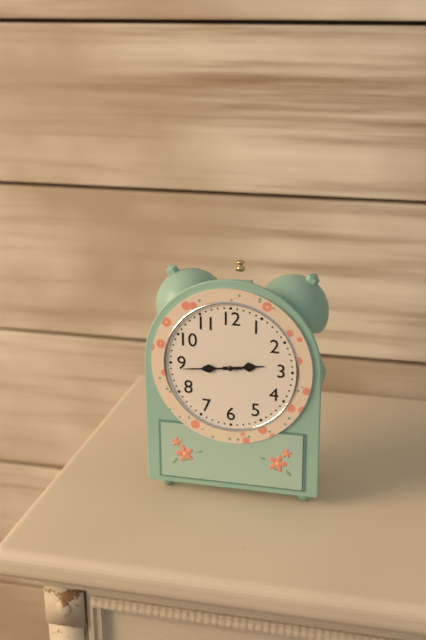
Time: h=2 m=44
